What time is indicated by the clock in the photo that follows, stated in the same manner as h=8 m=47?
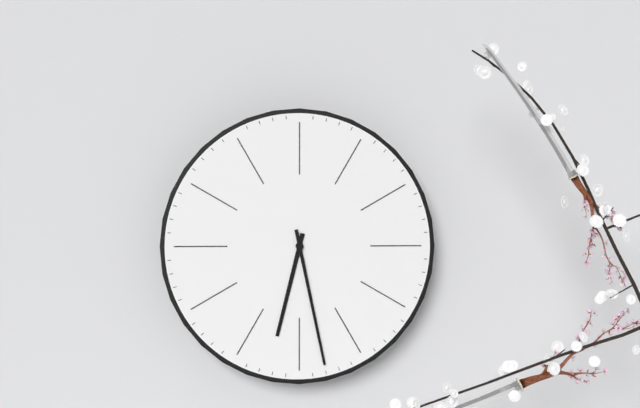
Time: h=6 m=28
